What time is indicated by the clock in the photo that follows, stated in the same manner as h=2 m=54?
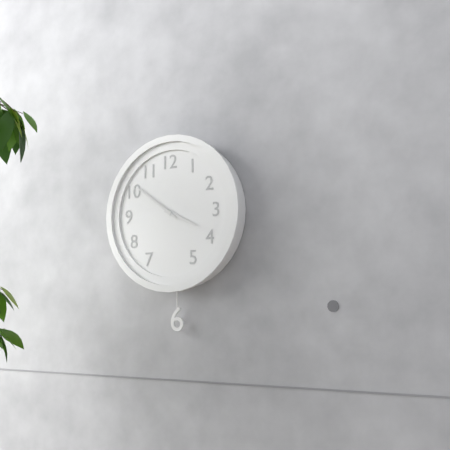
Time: h=3 m=51
